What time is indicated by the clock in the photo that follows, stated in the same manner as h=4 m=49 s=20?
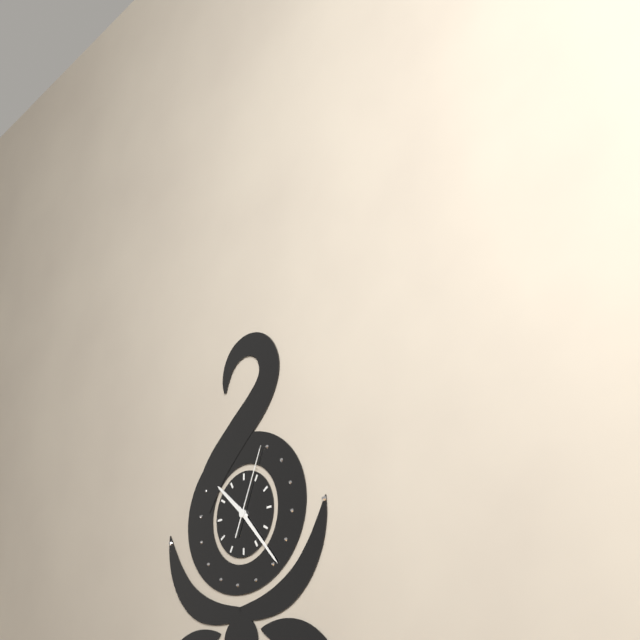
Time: h=10 m=23 s=4
